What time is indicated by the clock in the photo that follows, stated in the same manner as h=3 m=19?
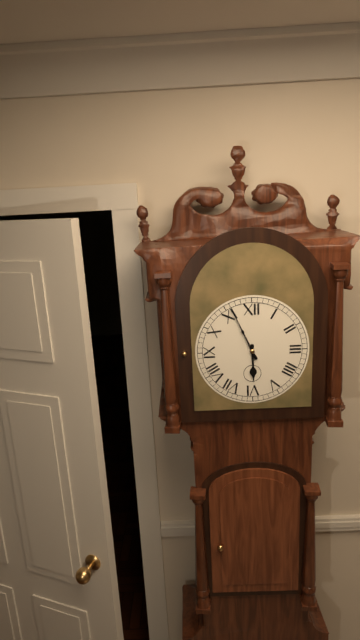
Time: h=5 m=56
